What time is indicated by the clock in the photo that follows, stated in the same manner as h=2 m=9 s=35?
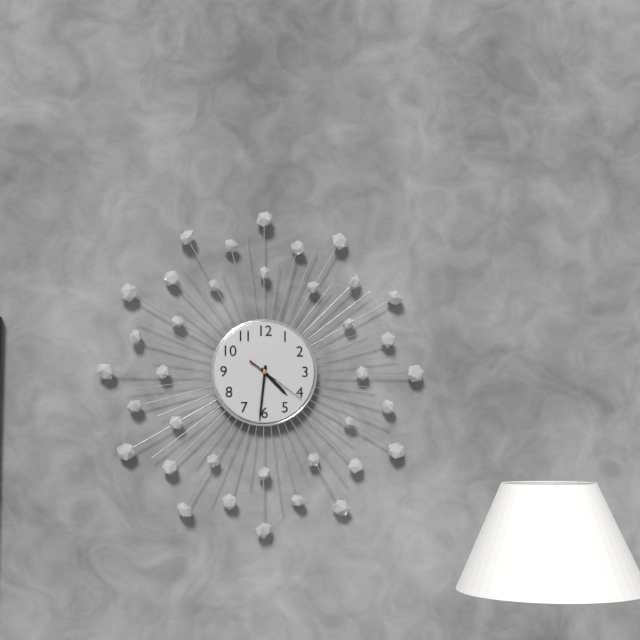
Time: h=4 m=31 s=21
